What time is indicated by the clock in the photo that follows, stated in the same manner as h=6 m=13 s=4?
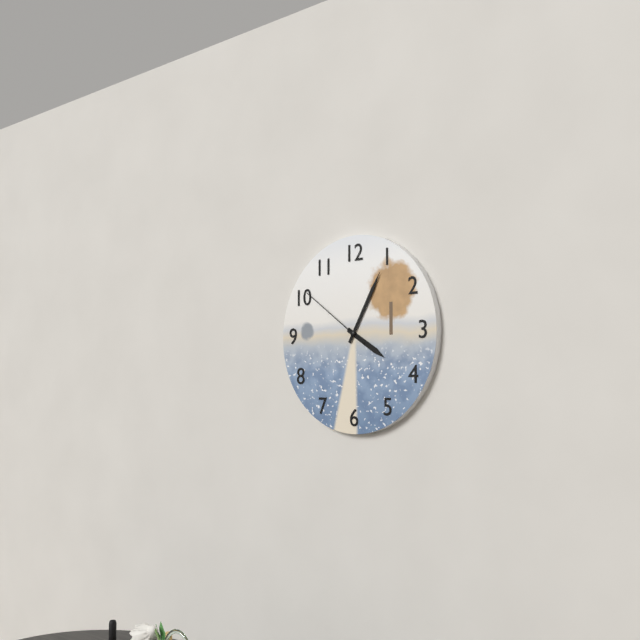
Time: h=4 m=5 s=51
